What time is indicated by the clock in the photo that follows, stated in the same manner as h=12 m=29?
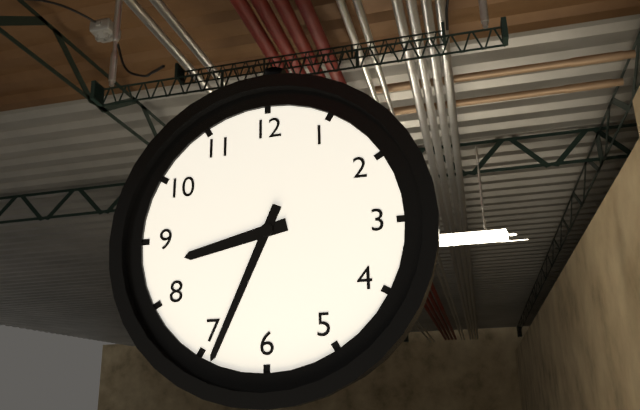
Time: h=8 m=34
